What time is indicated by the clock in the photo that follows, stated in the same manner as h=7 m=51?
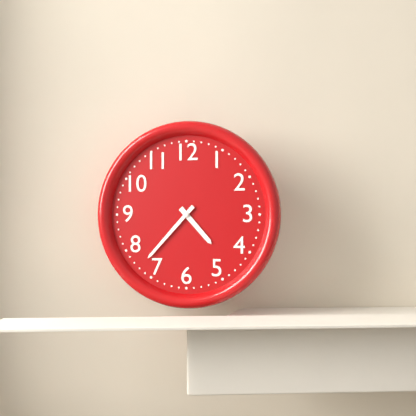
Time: h=4 m=37
